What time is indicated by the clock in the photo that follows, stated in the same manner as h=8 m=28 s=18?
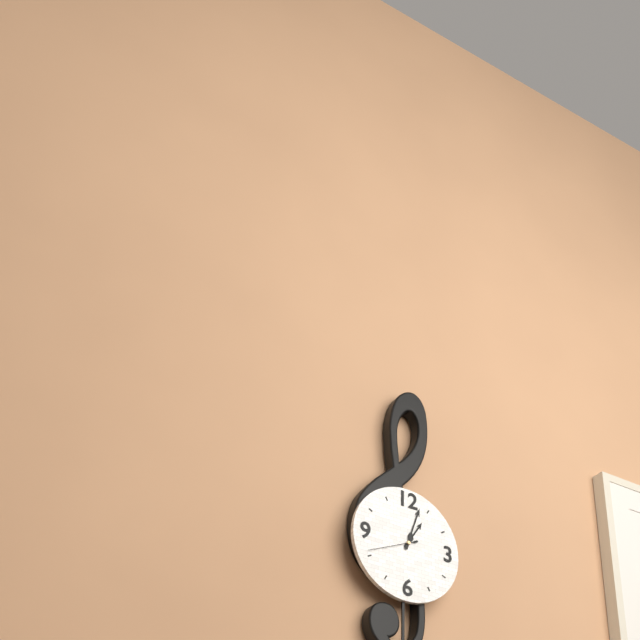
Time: h=1 m=3 s=41
